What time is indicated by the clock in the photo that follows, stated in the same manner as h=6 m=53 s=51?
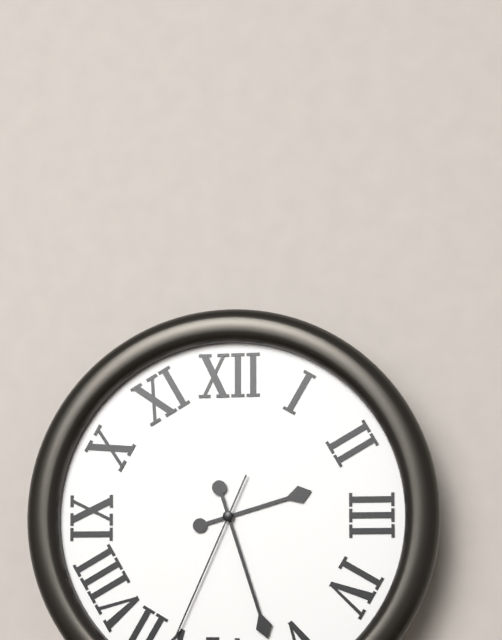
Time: h=2 m=27 s=34
